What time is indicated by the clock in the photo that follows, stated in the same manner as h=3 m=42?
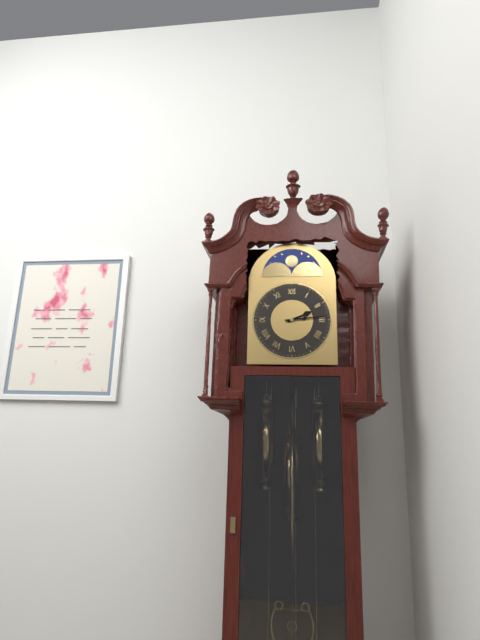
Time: h=2 m=14
